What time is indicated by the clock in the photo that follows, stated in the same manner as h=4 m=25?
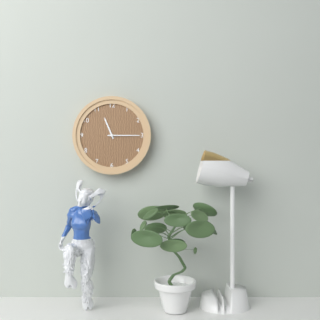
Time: h=11 m=15
